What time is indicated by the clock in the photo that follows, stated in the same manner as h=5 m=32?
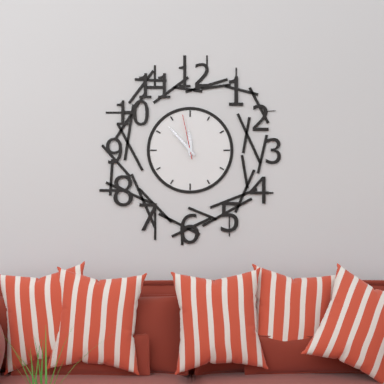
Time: h=11 m=53
